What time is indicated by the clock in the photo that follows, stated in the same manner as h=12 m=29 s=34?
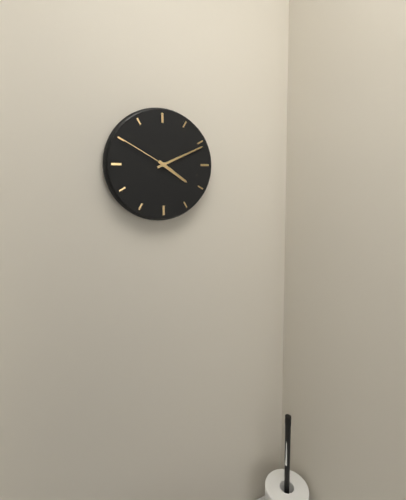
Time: h=4 m=11 s=50
